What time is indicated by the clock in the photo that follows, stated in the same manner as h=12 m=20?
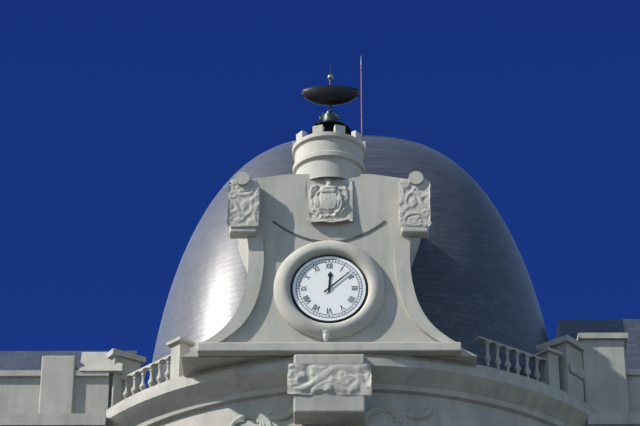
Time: h=12 m=8
